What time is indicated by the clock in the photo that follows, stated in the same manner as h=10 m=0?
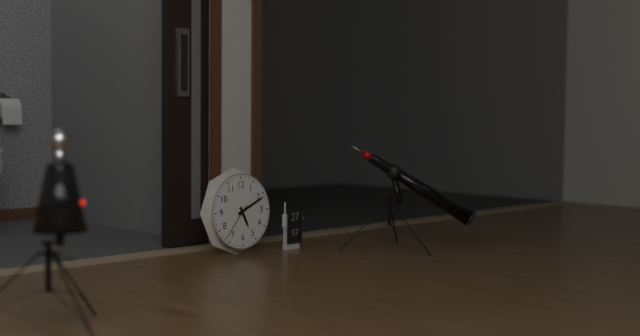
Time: h=5 m=11
